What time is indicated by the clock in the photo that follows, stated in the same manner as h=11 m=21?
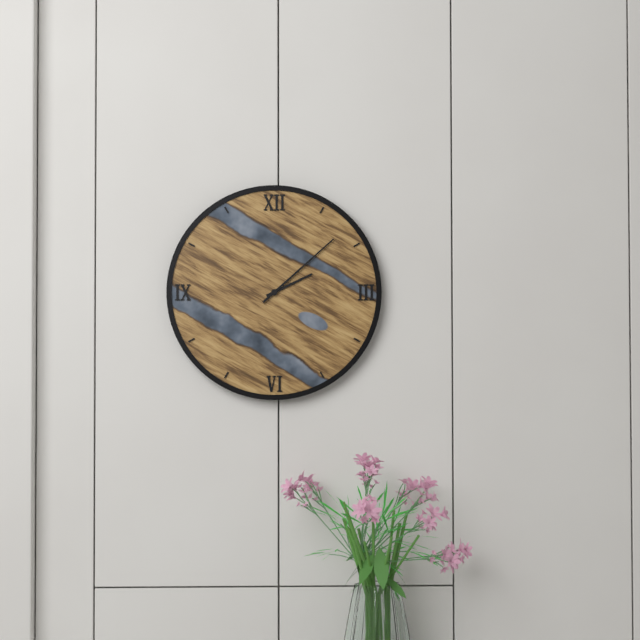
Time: h=2 m=8
